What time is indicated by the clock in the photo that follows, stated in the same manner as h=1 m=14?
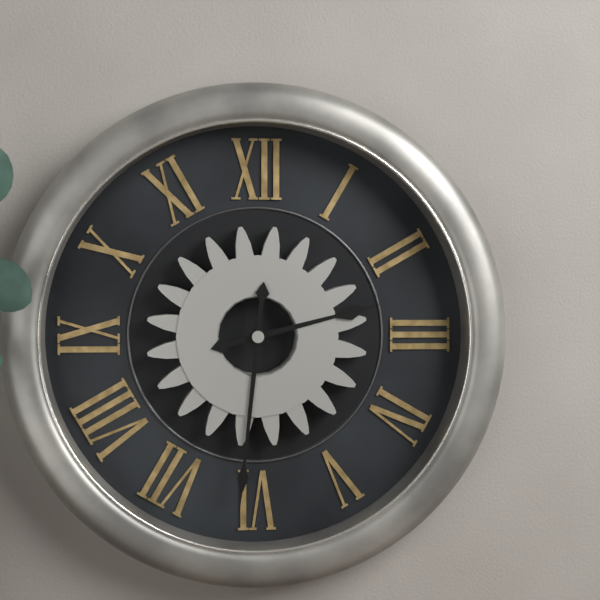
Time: h=2 m=31
